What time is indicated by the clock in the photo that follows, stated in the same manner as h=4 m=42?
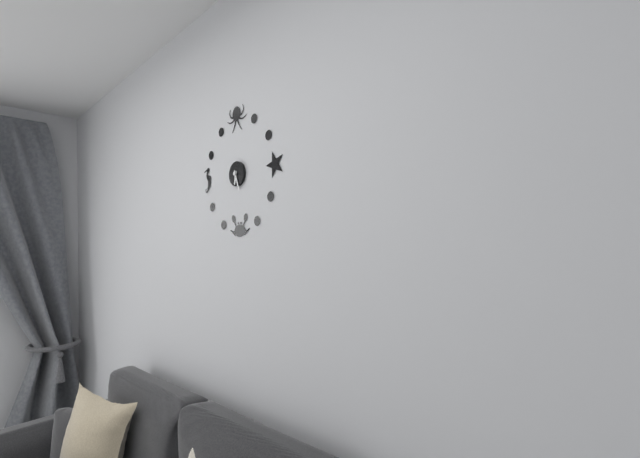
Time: h=6 m=27
